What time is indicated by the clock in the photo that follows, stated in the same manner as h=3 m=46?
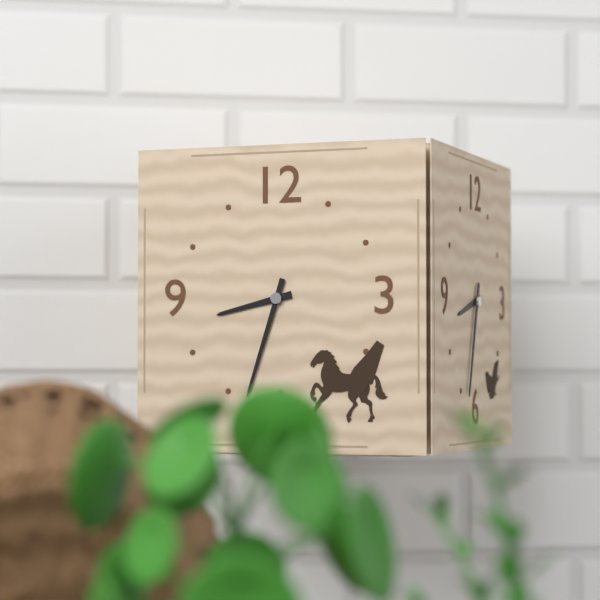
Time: h=8 m=33
